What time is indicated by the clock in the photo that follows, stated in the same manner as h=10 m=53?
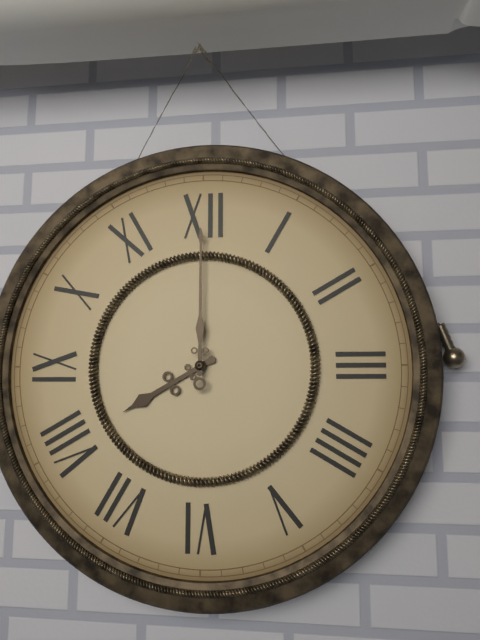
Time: h=8 m=0
